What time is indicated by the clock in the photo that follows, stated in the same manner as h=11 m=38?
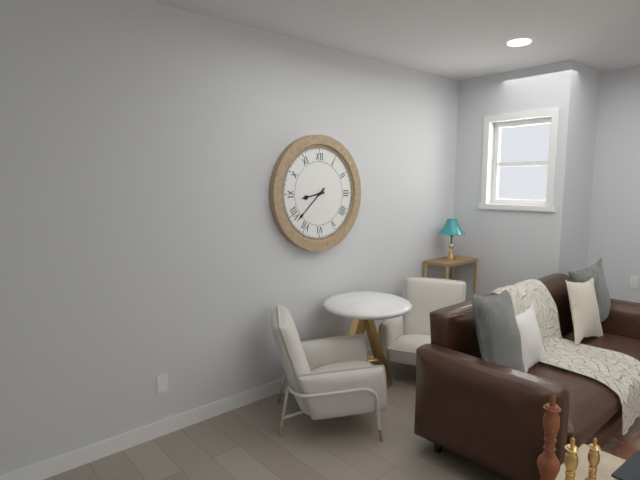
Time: h=8 m=38
